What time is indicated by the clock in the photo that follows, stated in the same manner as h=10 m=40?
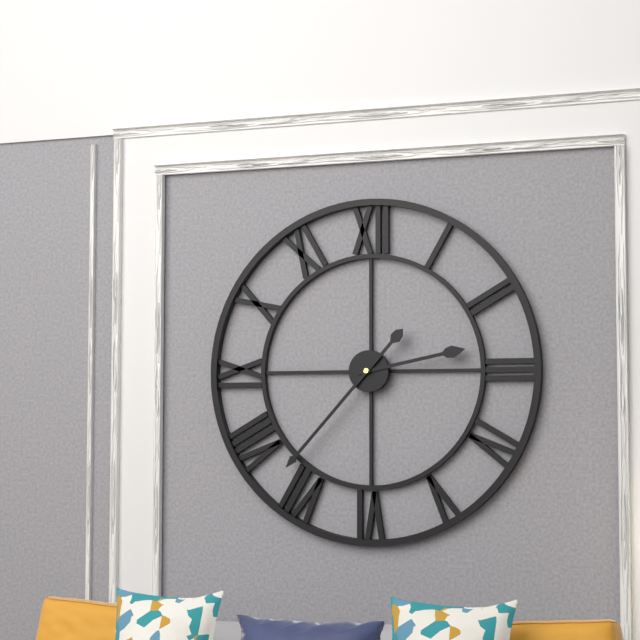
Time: h=2 m=37
